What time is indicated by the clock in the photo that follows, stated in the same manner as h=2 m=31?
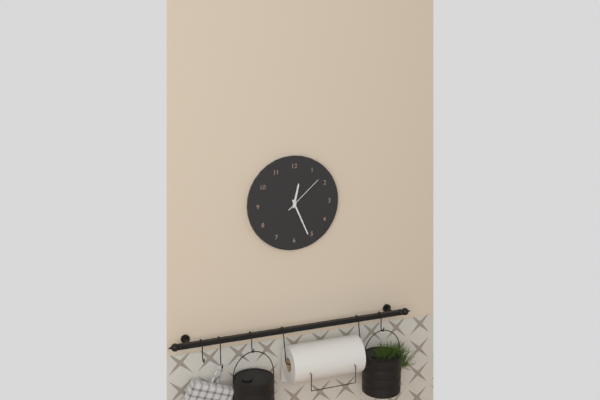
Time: h=12 m=26
